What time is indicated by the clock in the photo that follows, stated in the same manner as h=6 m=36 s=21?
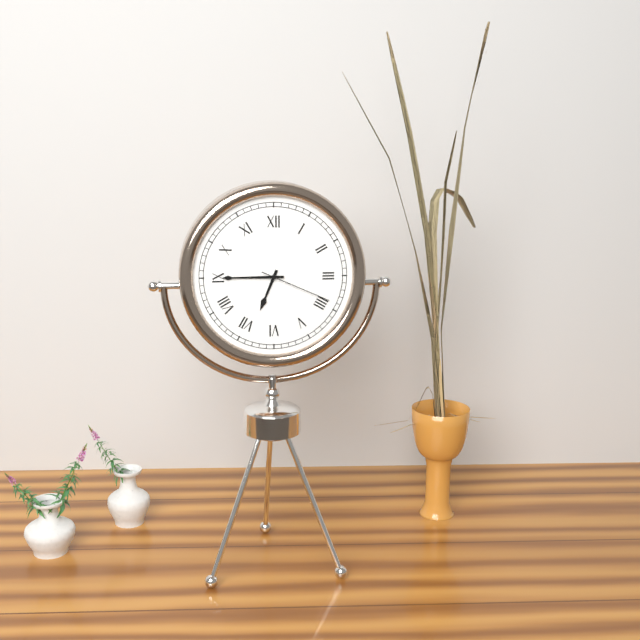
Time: h=6 m=45 s=19
